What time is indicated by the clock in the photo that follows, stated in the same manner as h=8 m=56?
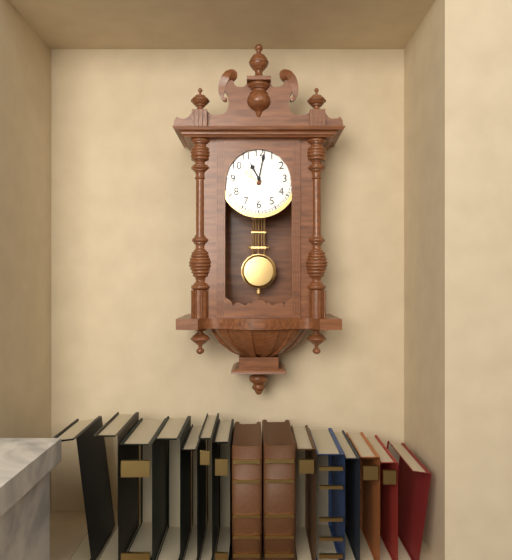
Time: h=11 m=2
